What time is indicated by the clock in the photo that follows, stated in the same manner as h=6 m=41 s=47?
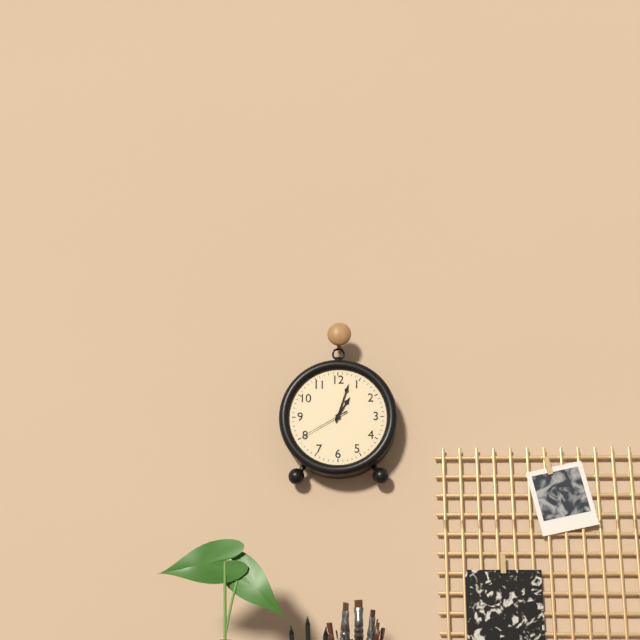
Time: h=1 m=3 s=40
